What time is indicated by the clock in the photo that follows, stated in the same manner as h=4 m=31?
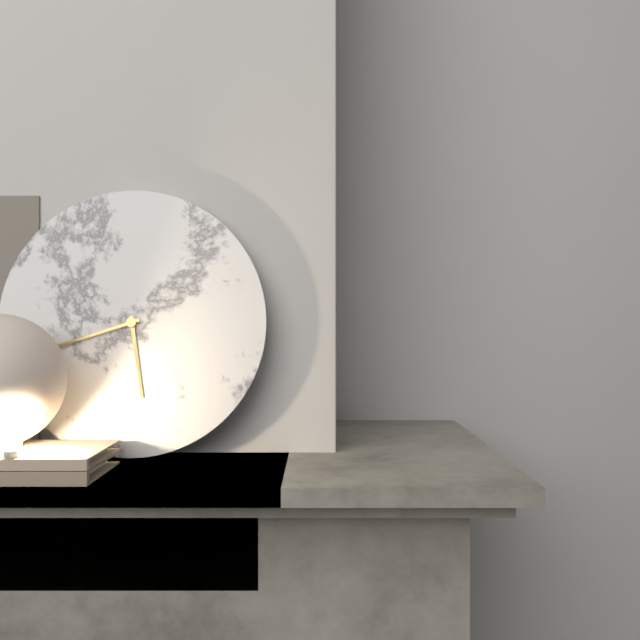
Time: h=5 m=42
